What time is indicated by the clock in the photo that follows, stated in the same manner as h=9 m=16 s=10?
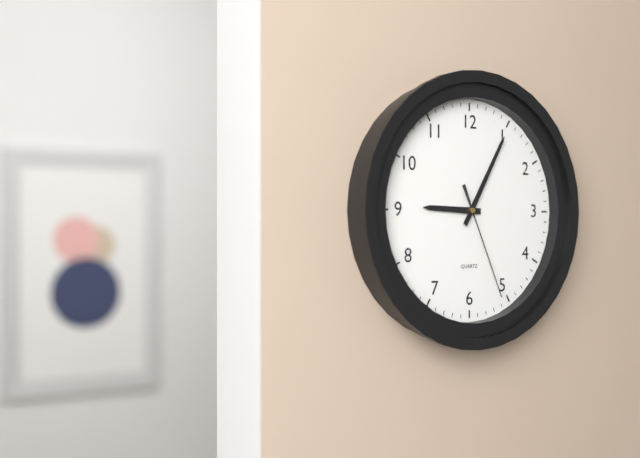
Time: h=9 m=5 s=26
